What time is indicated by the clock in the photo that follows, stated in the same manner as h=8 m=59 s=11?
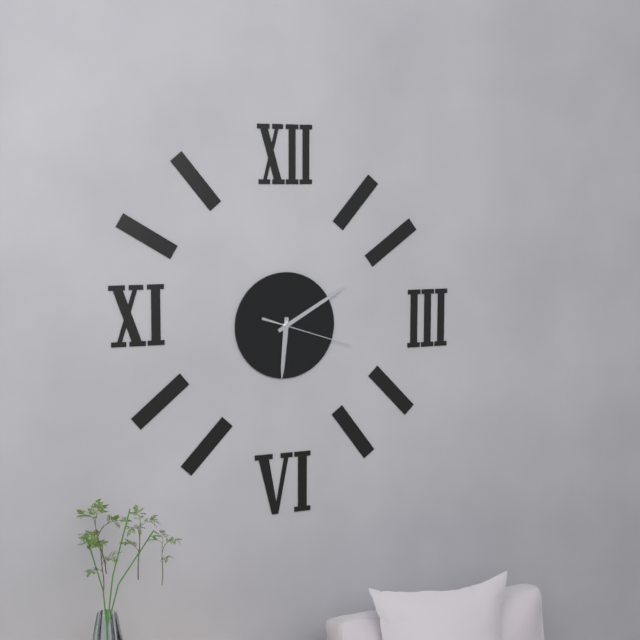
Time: h=6 m=10 s=18
